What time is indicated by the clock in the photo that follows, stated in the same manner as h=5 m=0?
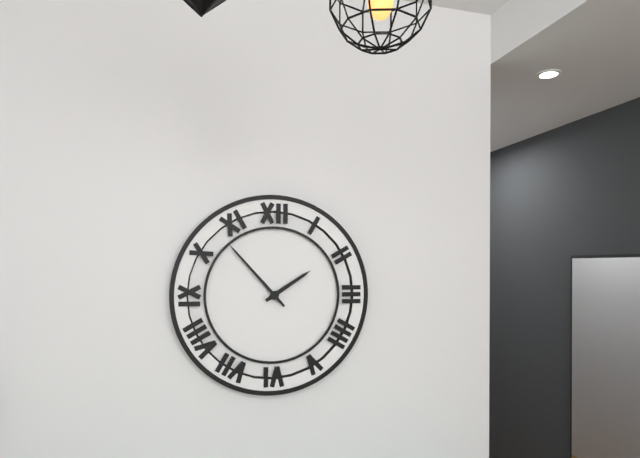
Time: h=1 m=53
